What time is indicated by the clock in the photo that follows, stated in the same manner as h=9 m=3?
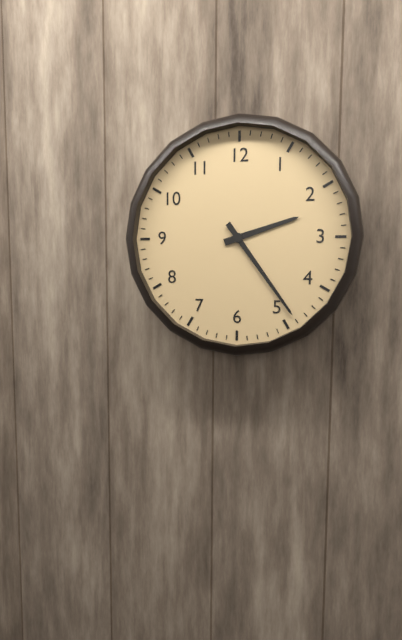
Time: h=2 m=24
